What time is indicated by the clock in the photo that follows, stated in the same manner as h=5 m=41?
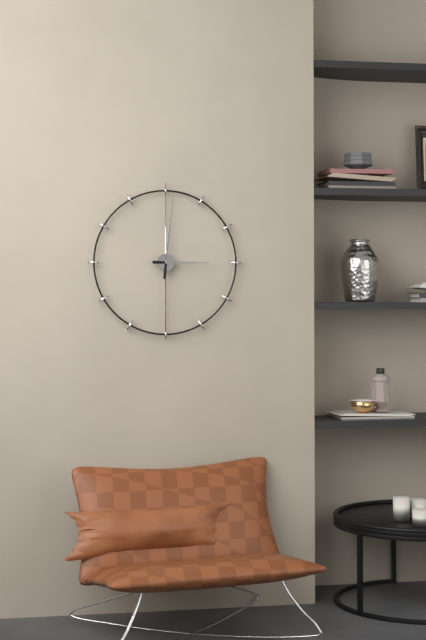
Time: h=3 m=1
